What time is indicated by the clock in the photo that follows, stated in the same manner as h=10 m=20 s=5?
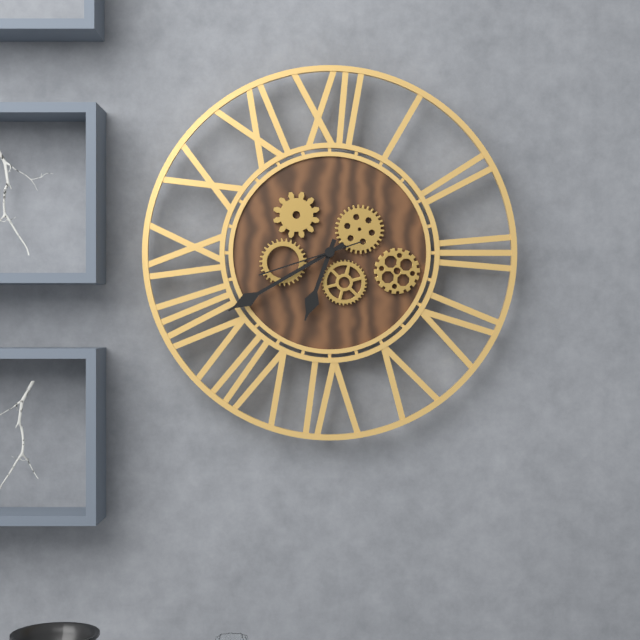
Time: h=6 m=40 s=42
